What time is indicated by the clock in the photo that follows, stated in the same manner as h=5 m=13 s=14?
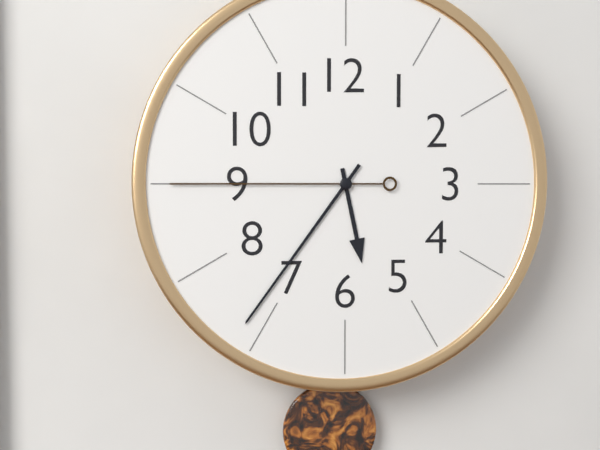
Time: h=5 m=36 s=45
